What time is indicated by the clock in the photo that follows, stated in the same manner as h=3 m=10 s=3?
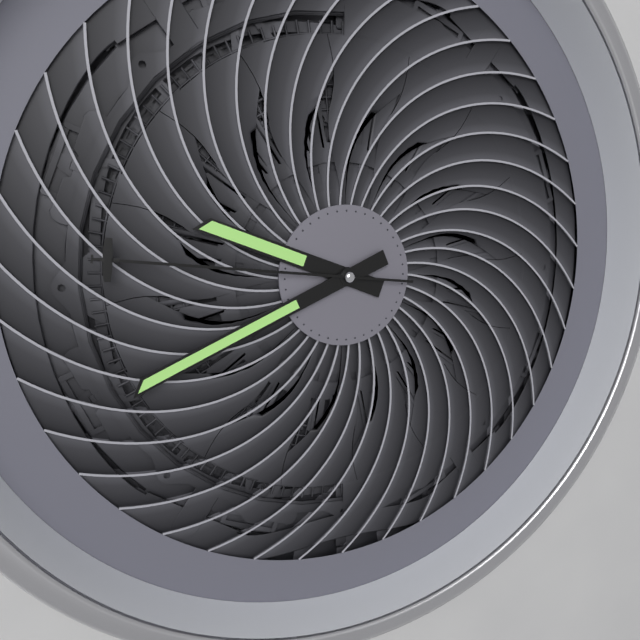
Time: h=9 m=41 s=46
